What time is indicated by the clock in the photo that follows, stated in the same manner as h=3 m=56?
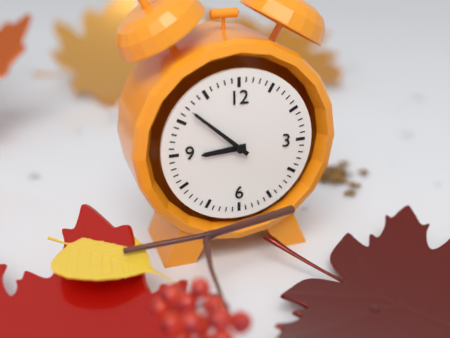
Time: h=8 m=52
